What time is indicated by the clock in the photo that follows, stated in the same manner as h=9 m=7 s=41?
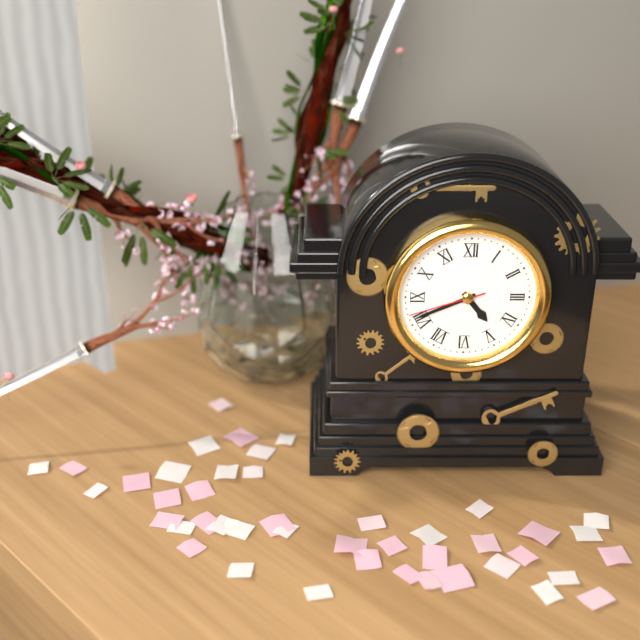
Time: h=4 m=41 s=42
